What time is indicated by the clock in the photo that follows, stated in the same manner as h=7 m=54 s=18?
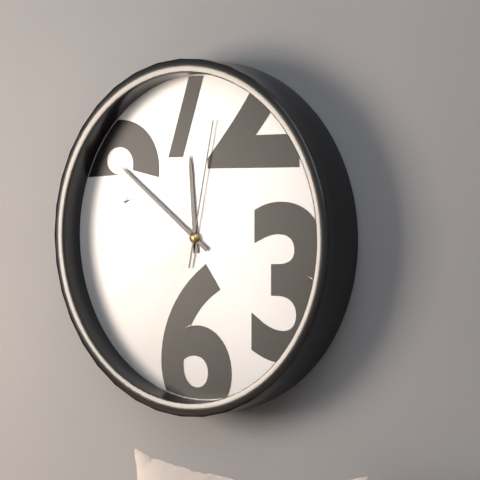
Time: h=11 m=51 s=2
